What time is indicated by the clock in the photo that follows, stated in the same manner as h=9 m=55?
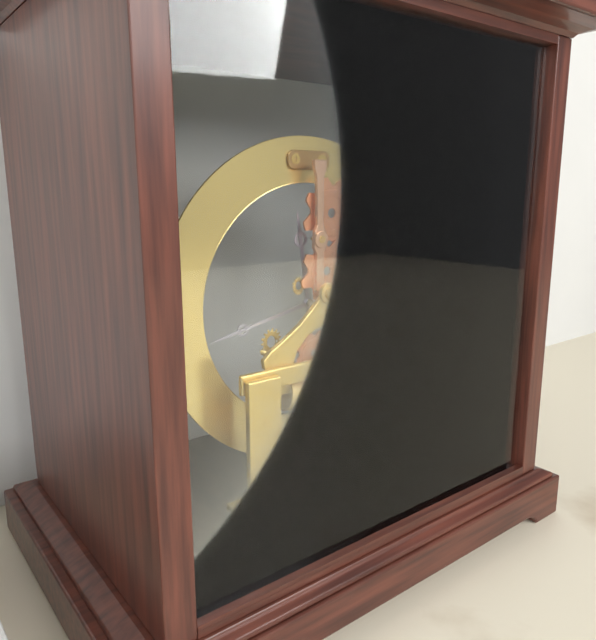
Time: h=11 m=43
